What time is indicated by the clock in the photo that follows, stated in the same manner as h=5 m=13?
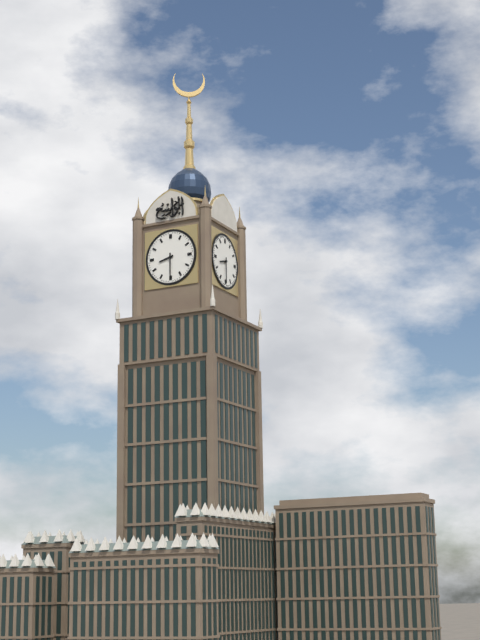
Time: h=8 m=30
